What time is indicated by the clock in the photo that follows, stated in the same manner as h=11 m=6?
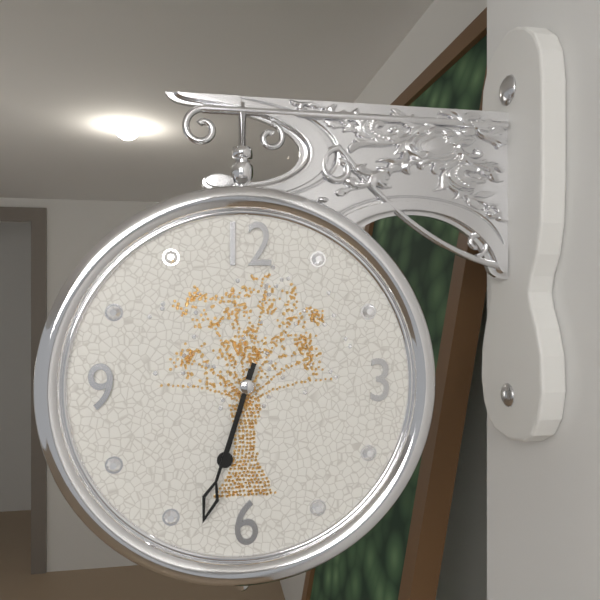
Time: h=6 m=33
